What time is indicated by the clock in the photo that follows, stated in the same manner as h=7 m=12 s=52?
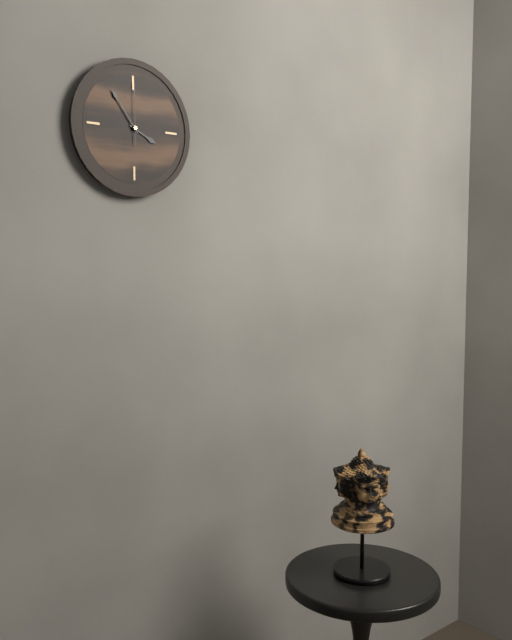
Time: h=3 m=54 s=0
